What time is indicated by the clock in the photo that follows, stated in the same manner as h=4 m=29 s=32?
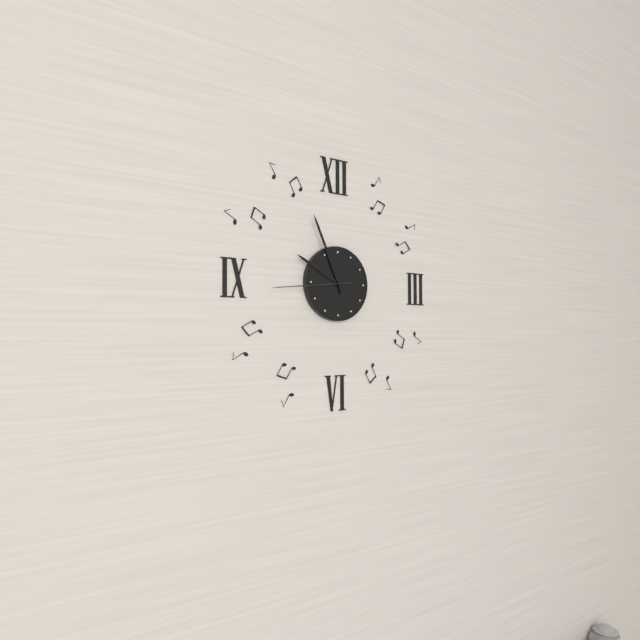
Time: h=9 m=56 s=44
